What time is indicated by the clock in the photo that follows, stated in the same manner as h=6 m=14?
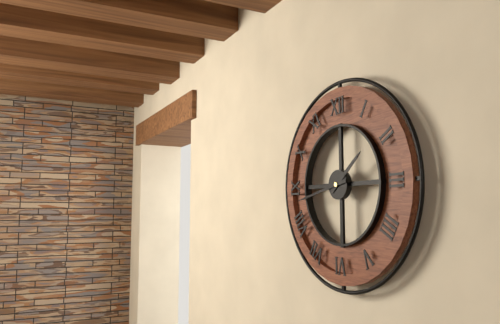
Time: h=1 m=43
